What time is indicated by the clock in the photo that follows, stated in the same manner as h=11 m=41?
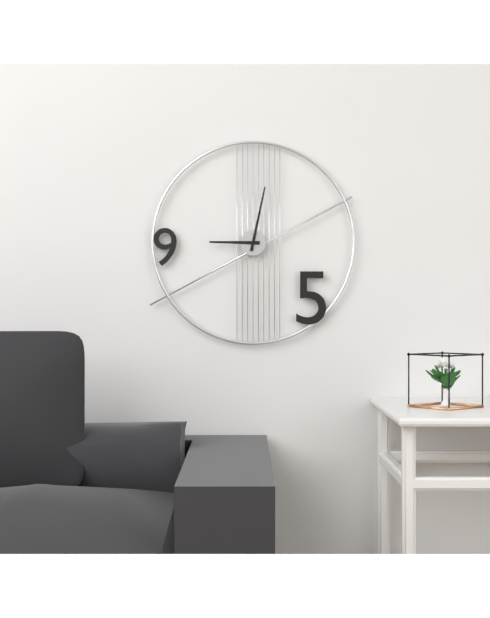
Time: h=9 m=2
